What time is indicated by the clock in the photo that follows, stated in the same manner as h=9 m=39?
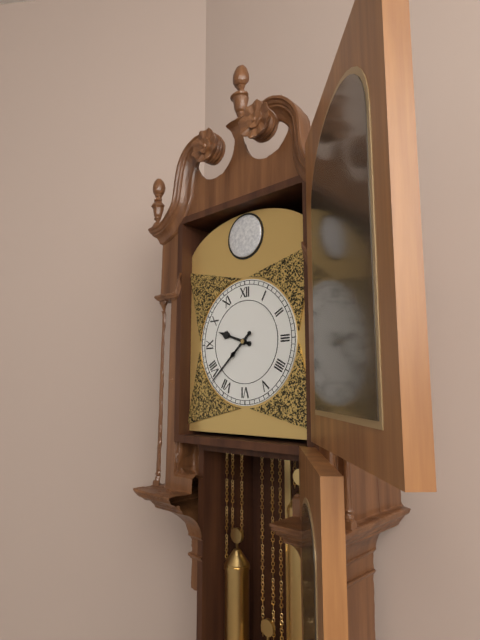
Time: h=9 m=38
